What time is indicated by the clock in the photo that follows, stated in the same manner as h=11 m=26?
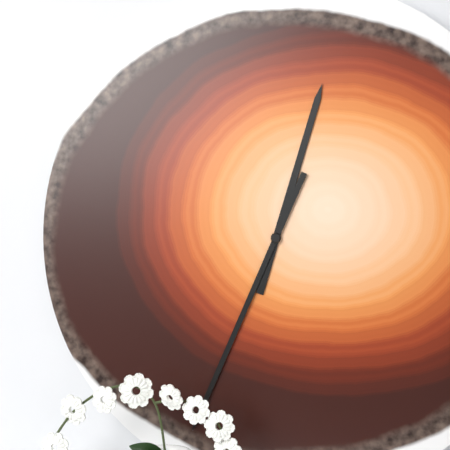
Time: h=12 m=34
